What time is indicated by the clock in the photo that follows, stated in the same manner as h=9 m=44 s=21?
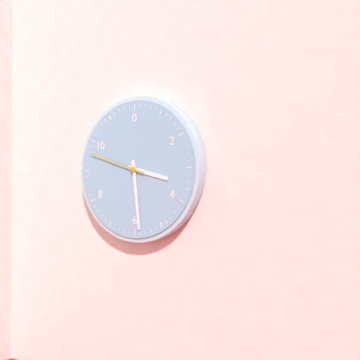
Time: h=3 m=29 s=48
